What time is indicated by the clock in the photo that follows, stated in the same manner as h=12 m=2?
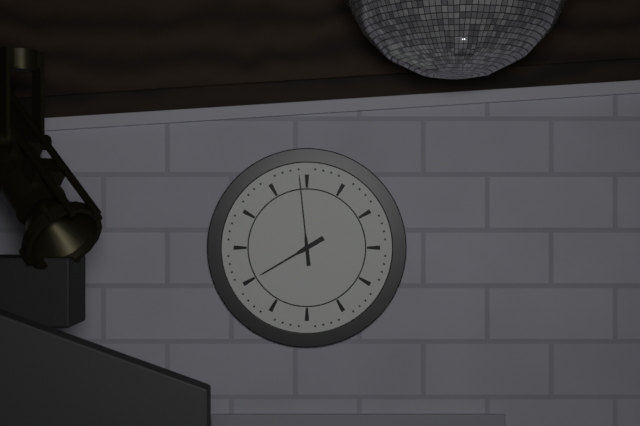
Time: h=7 m=59
